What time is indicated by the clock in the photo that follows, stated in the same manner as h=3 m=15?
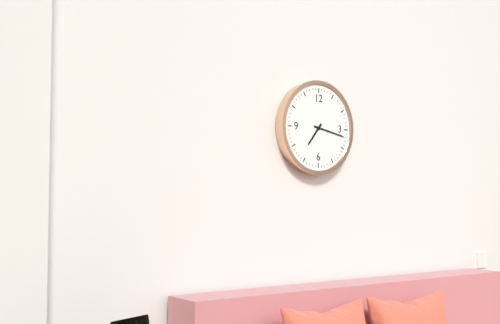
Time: h=7 m=17
